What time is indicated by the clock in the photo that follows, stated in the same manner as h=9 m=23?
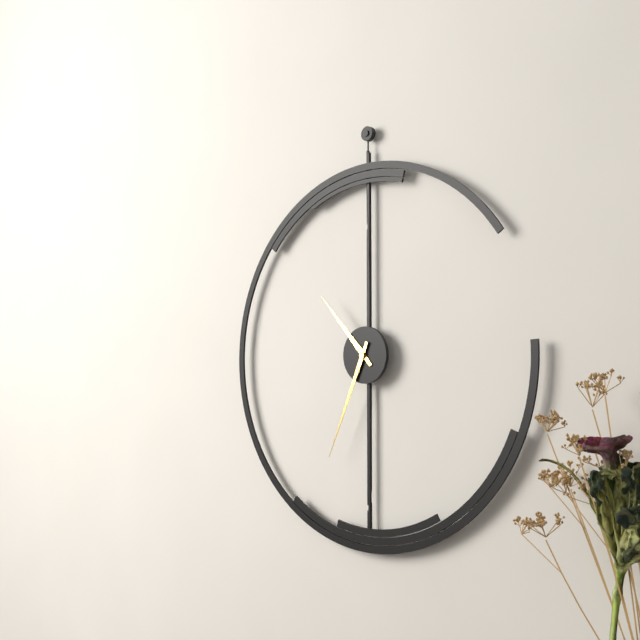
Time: h=10 m=34
